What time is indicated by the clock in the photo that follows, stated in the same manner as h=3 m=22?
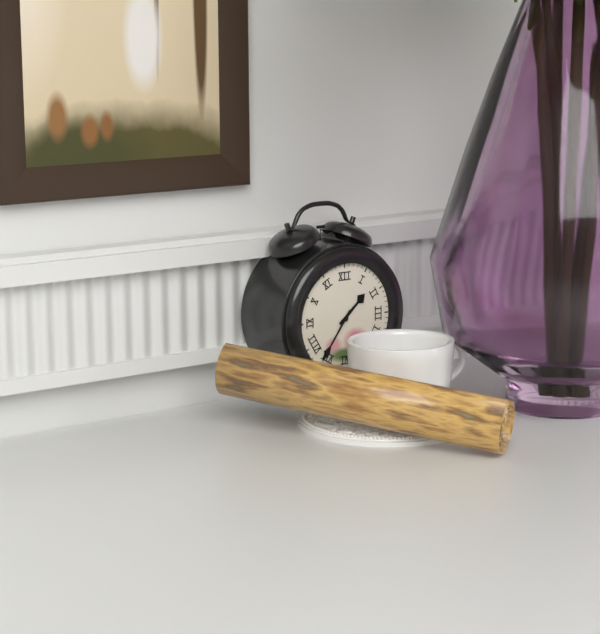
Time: h=1 m=36
